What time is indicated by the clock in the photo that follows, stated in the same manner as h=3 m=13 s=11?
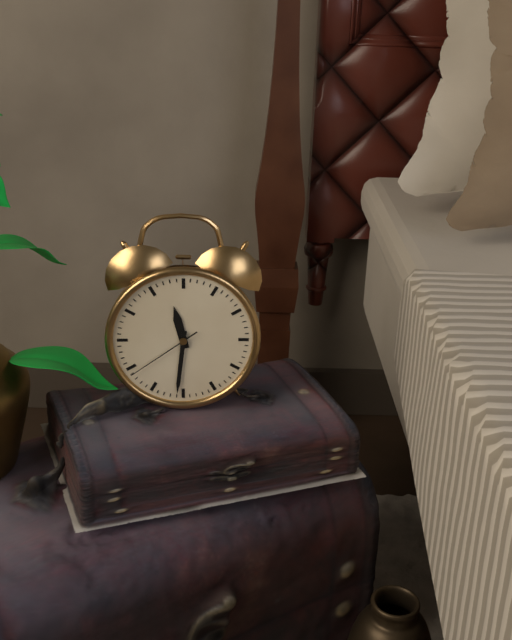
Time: h=11 m=31 s=39
